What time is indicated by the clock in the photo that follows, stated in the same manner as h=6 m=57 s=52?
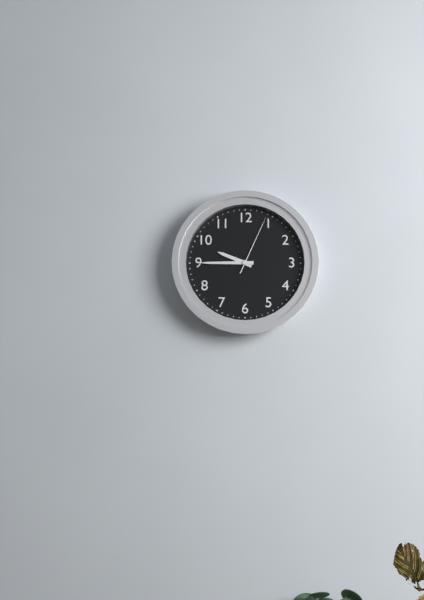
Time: h=9 m=45 s=4
